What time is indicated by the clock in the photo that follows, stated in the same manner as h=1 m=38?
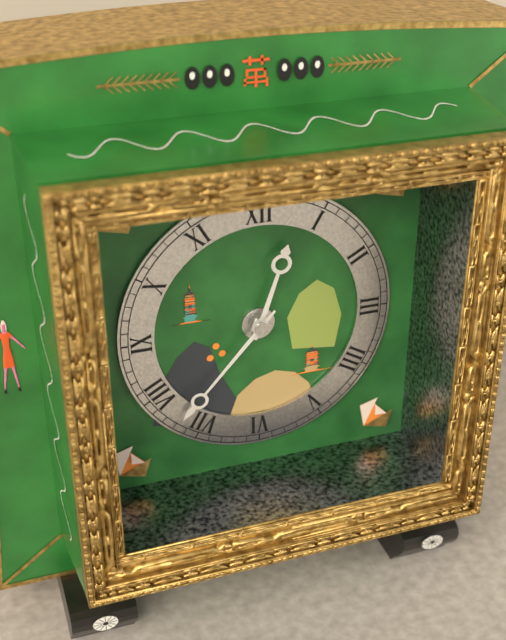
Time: h=12 m=37
